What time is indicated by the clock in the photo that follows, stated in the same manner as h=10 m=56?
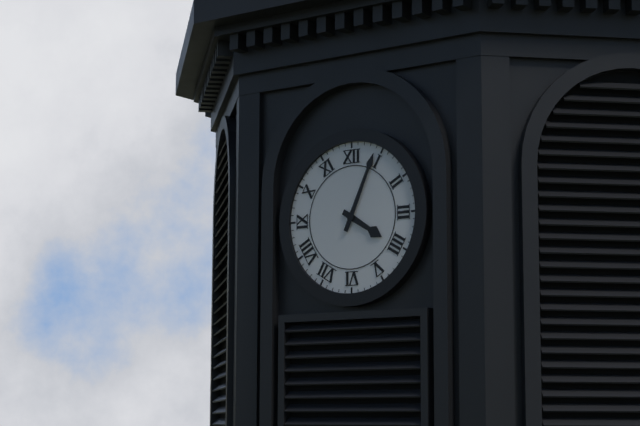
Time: h=4 m=4
